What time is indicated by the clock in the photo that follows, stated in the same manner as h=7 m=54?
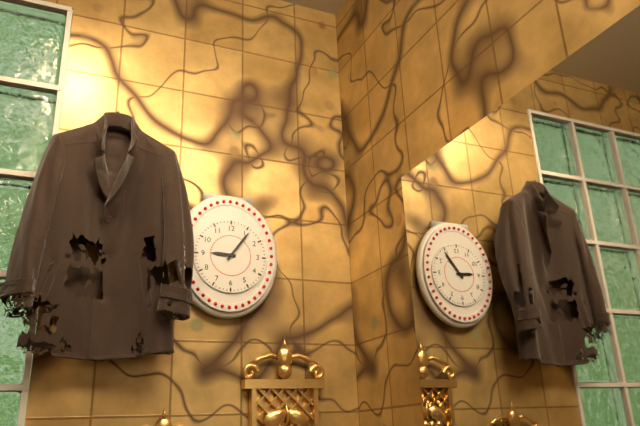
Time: h=9 m=6
